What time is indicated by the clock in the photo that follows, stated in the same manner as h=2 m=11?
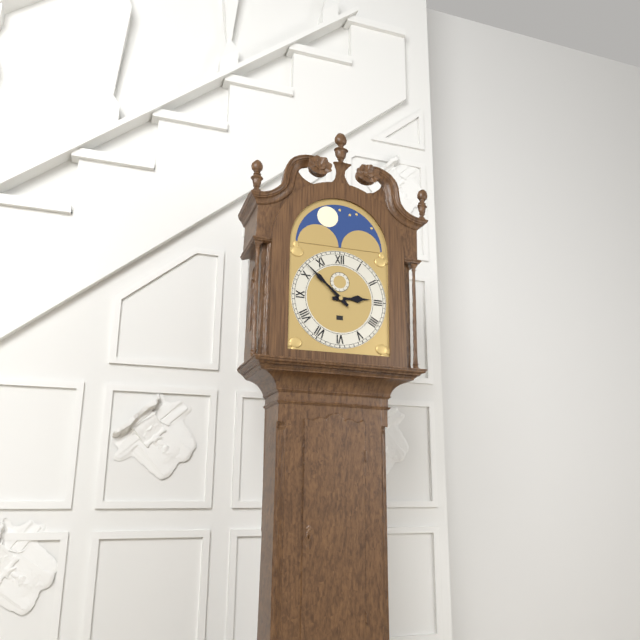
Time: h=2 m=52
